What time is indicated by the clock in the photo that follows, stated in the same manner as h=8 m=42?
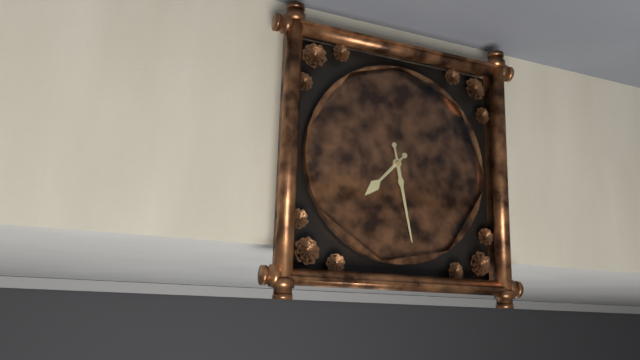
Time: h=7 m=28
